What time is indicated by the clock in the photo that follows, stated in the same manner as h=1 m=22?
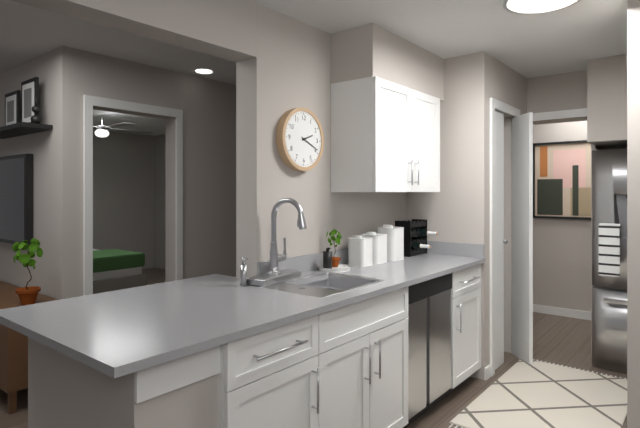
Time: h=2 m=19
